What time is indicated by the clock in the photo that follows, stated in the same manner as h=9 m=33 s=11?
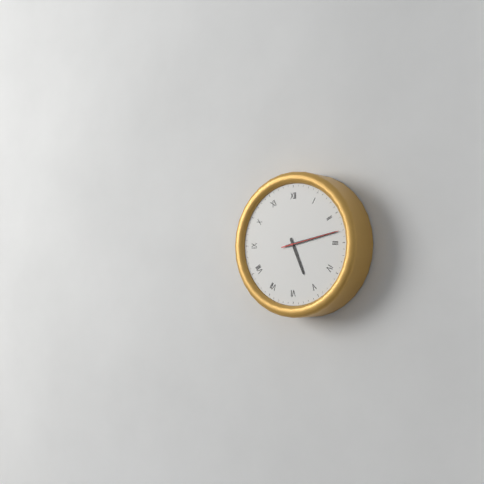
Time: h=5 m=13 s=13
